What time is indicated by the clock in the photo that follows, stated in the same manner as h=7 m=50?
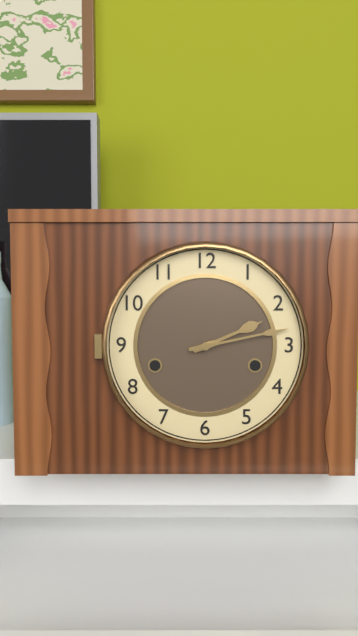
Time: h=2 m=13
